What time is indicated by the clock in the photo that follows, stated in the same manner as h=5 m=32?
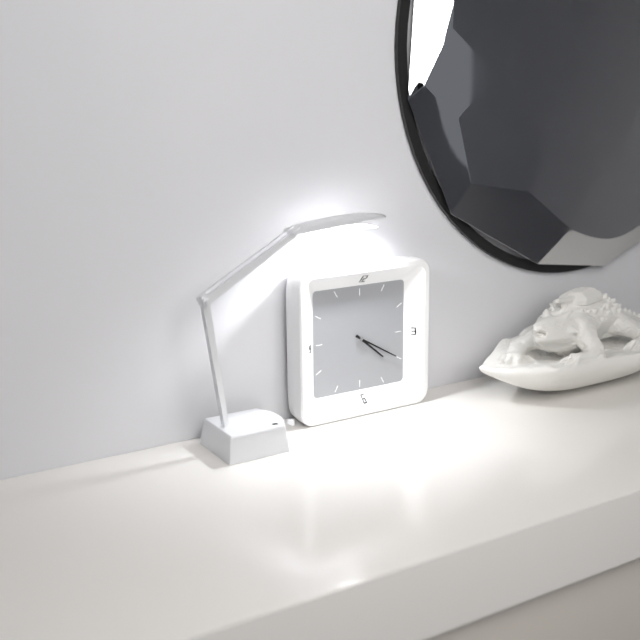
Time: h=4 m=20
